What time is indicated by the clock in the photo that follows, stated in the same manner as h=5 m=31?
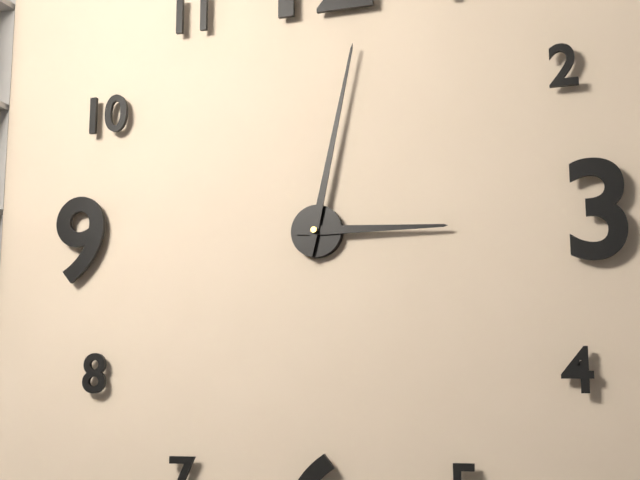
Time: h=3 m=2
